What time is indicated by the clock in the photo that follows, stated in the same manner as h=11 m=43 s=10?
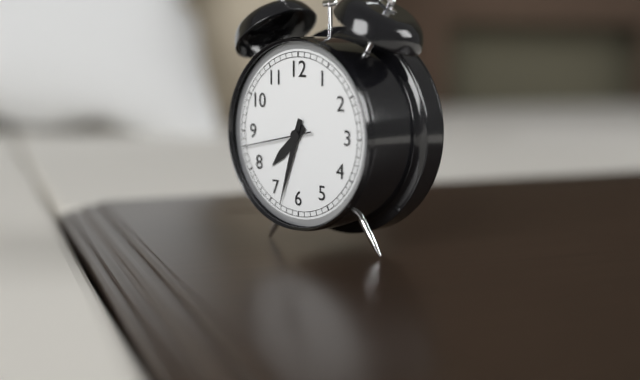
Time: h=7 m=33 s=43
